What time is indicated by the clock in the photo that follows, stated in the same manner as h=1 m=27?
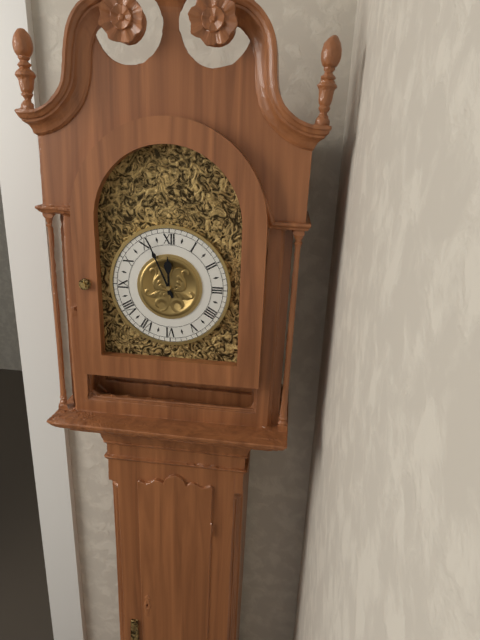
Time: h=11 m=56
